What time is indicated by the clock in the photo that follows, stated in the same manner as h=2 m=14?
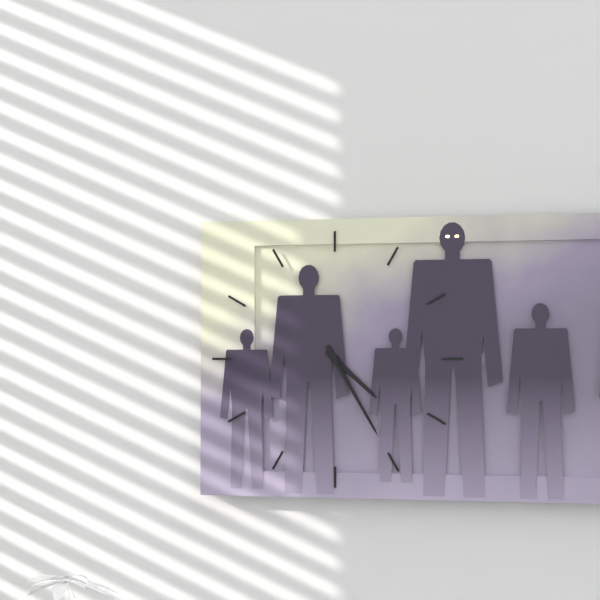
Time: h=4 m=25
